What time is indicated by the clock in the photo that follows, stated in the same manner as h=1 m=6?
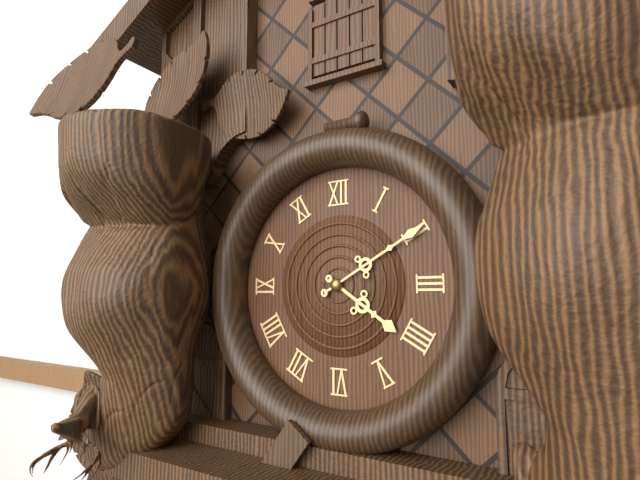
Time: h=4 m=10
